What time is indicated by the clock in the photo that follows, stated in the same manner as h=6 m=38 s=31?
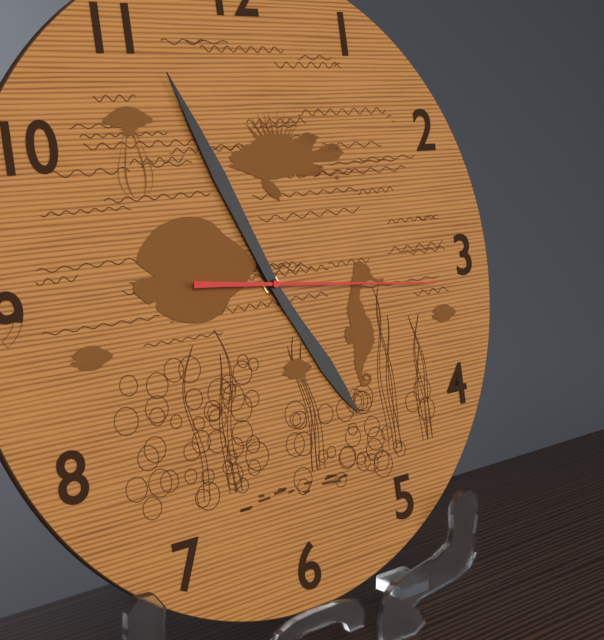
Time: h=4 m=56 s=16
